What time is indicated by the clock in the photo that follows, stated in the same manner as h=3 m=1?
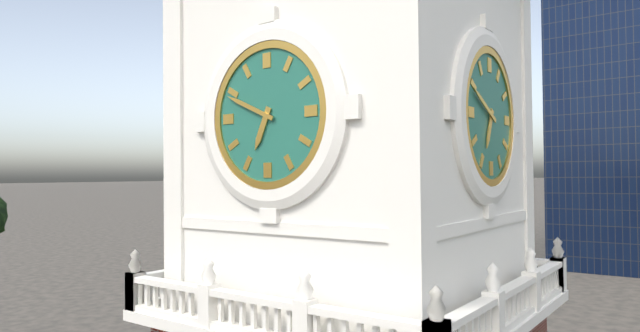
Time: h=6 m=49
